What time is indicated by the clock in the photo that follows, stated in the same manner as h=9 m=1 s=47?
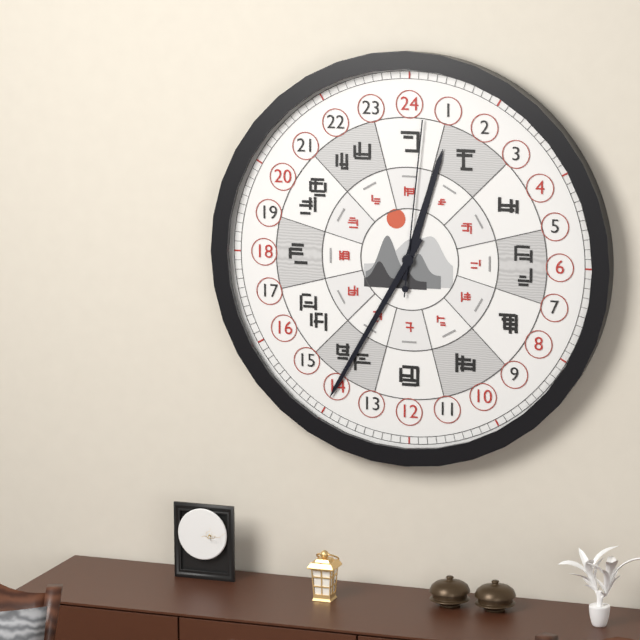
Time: h=12 m=35 s=1
